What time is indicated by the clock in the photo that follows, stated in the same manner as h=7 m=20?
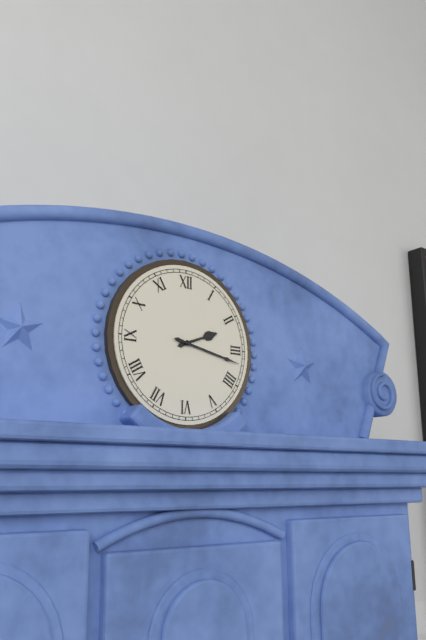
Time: h=2 m=17
